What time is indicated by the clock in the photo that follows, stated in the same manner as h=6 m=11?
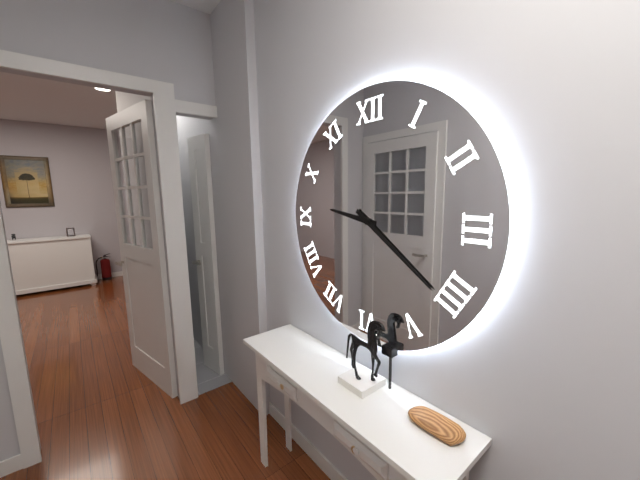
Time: h=9 m=21
